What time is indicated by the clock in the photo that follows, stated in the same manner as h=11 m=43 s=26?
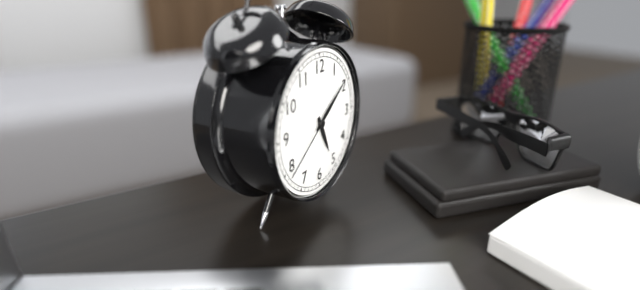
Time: h=5 m=9 s=39
